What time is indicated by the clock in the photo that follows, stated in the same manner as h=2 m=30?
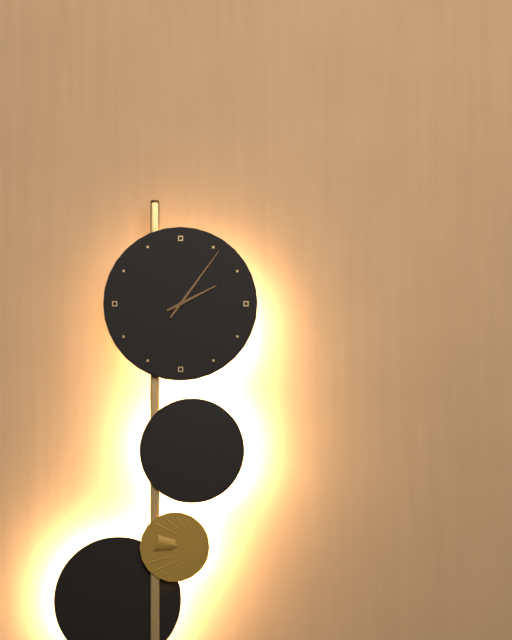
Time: h=2 m=6
